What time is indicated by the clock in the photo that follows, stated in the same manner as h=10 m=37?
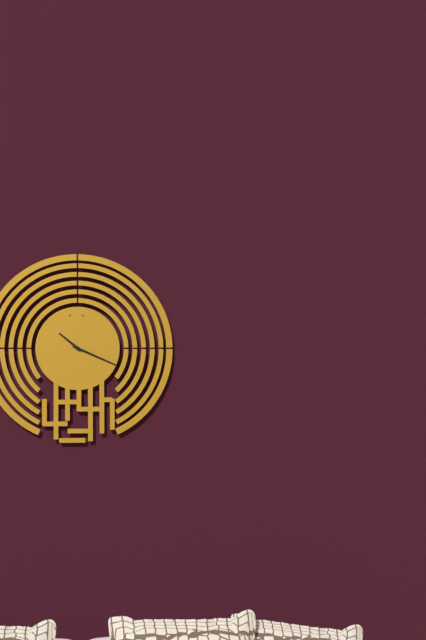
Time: h=10 m=19
